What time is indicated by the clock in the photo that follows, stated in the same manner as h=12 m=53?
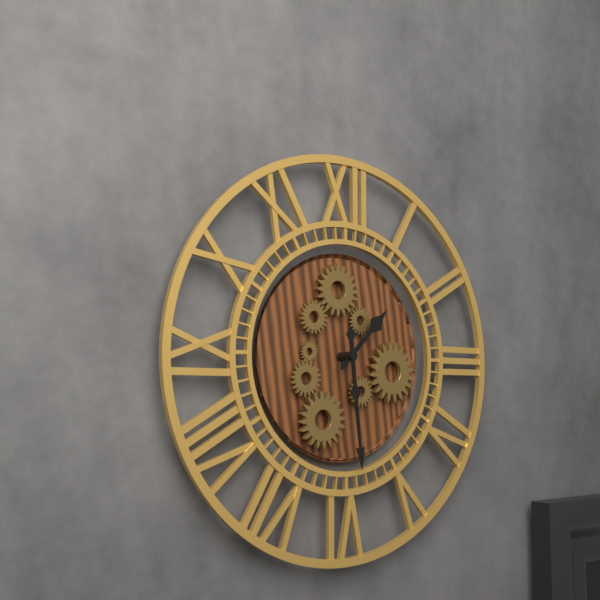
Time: h=1 m=29
